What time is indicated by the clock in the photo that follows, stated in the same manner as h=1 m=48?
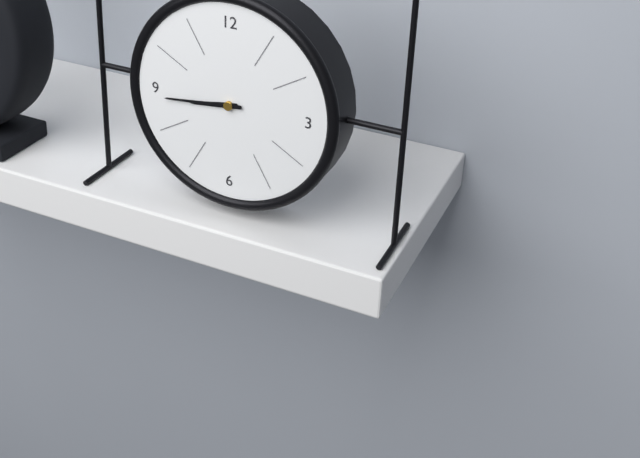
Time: h=8 m=44
